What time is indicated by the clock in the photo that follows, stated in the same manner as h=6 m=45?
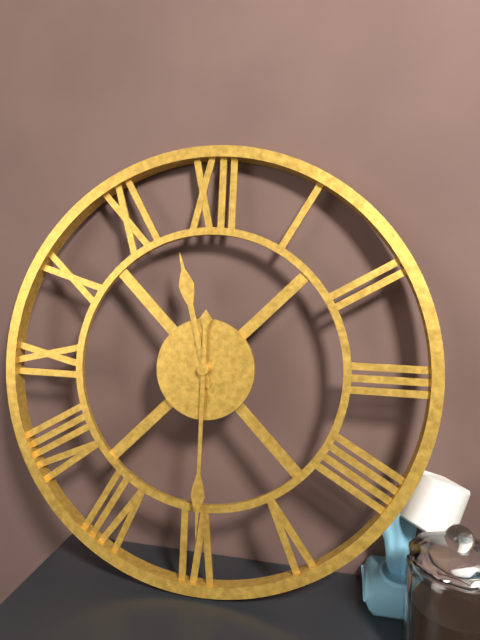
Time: h=11 m=30
